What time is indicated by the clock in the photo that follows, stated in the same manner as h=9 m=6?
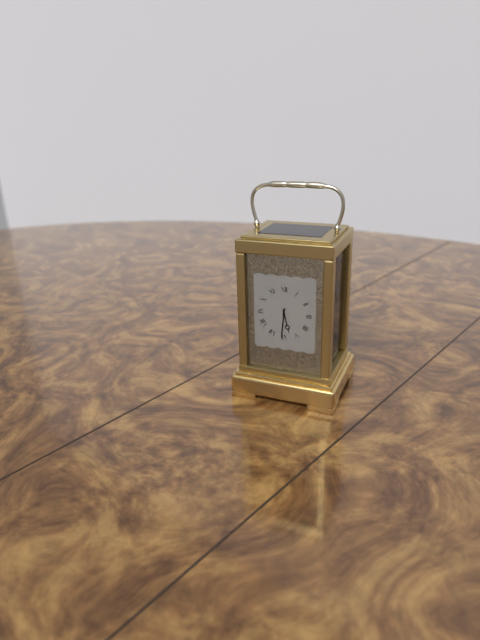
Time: h=5 m=31
